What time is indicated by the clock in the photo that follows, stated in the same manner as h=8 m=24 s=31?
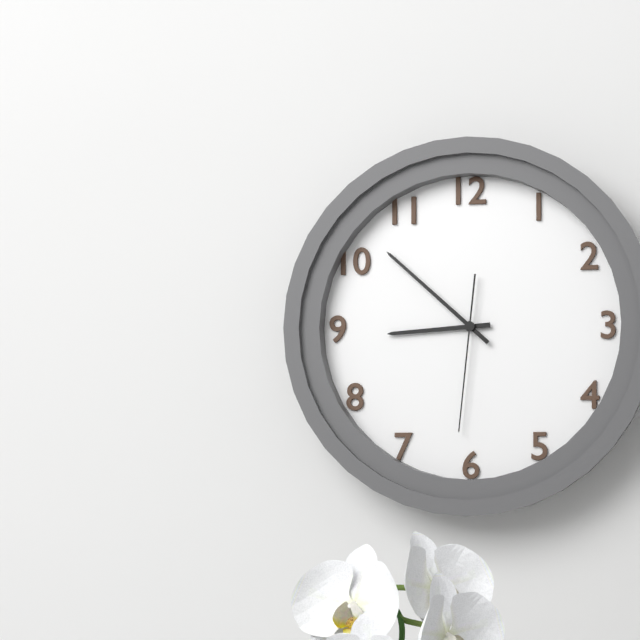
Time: h=8 m=52 s=31
